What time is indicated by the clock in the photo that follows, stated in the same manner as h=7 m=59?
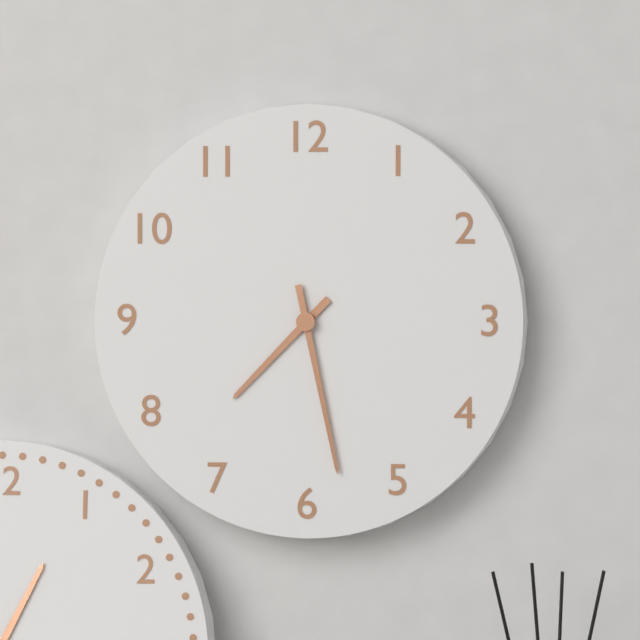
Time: h=7 m=28
